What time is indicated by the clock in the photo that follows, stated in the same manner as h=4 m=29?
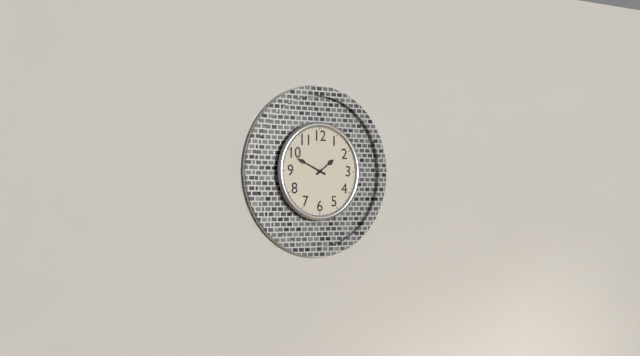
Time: h=1 m=49
